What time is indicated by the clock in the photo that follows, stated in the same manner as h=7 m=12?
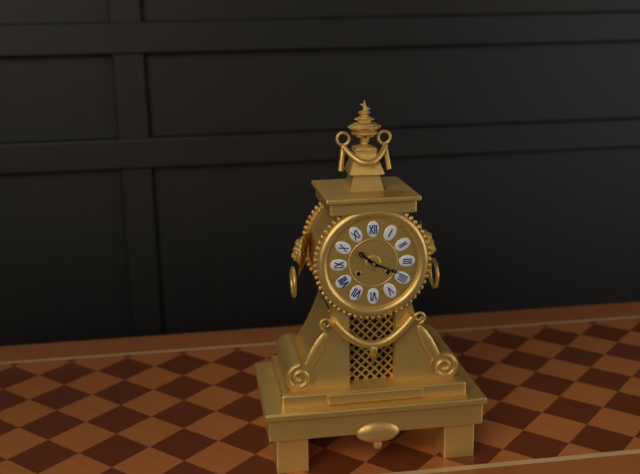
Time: h=10 m=19
